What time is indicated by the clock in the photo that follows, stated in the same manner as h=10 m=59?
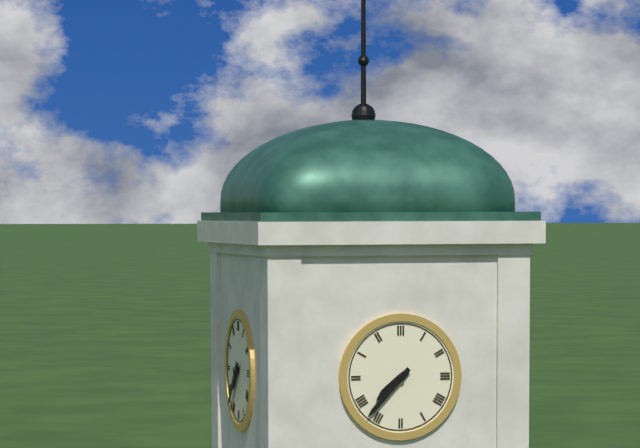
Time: h=7 m=37
